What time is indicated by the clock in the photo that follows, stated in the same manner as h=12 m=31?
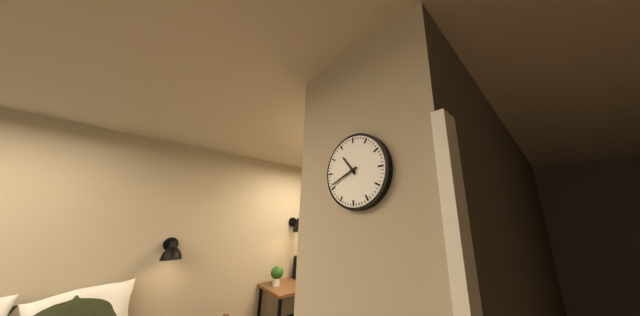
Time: h=10 m=41
